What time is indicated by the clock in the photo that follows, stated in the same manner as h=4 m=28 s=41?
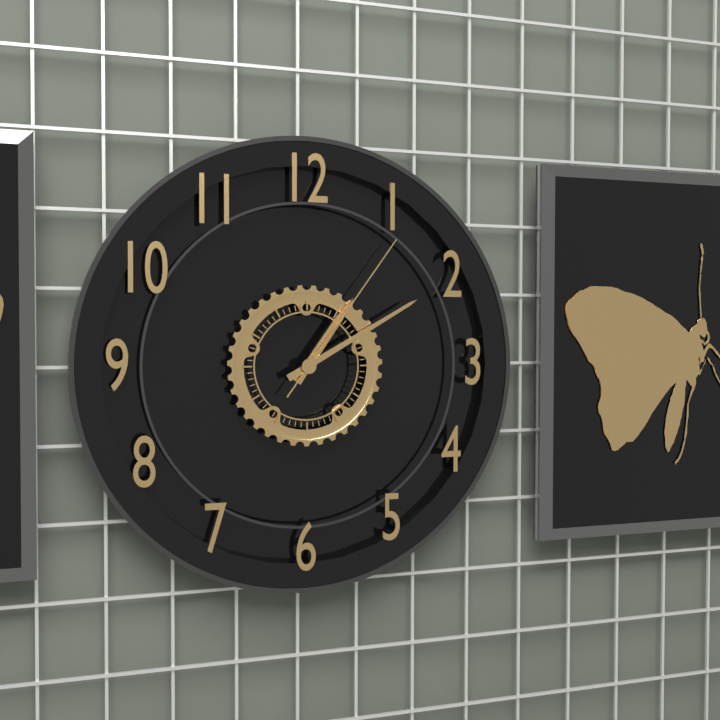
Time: h=1 m=10 s=6
